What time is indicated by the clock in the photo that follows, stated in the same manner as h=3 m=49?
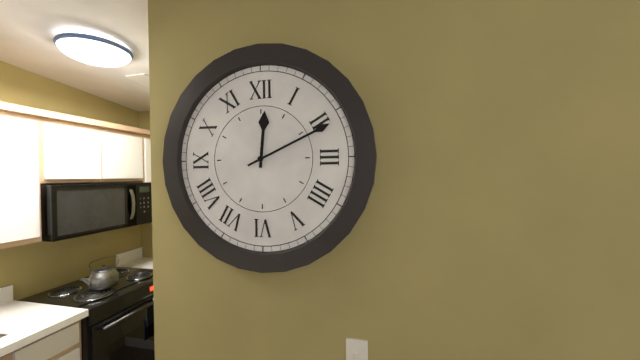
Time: h=12 m=11
